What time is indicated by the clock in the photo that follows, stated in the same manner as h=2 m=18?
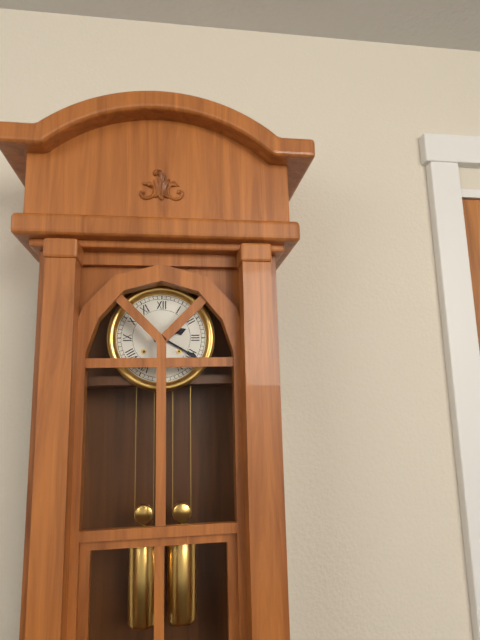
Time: h=2 m=20
